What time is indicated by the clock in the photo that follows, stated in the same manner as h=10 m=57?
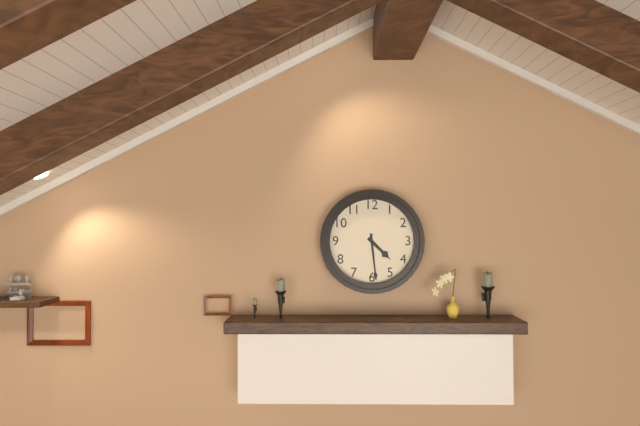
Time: h=4 m=29
